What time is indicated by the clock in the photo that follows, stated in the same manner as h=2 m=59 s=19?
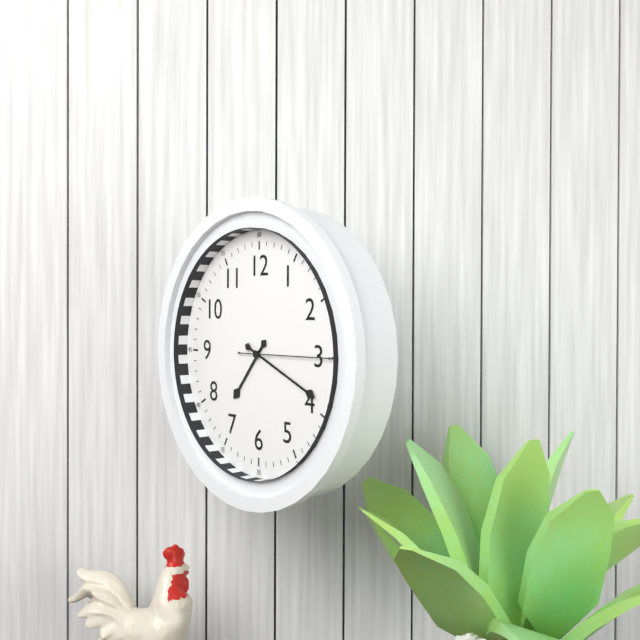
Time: h=7 m=19 s=15
